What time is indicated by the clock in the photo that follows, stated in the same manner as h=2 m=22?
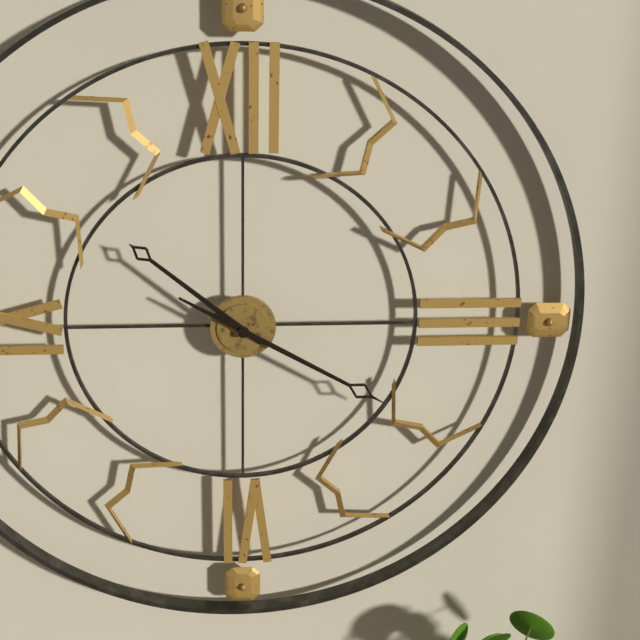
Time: h=10 m=20
